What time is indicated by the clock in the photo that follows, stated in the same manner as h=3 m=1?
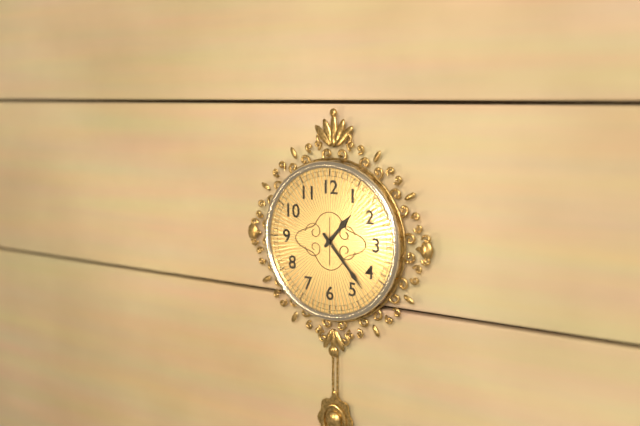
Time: h=1 m=23
